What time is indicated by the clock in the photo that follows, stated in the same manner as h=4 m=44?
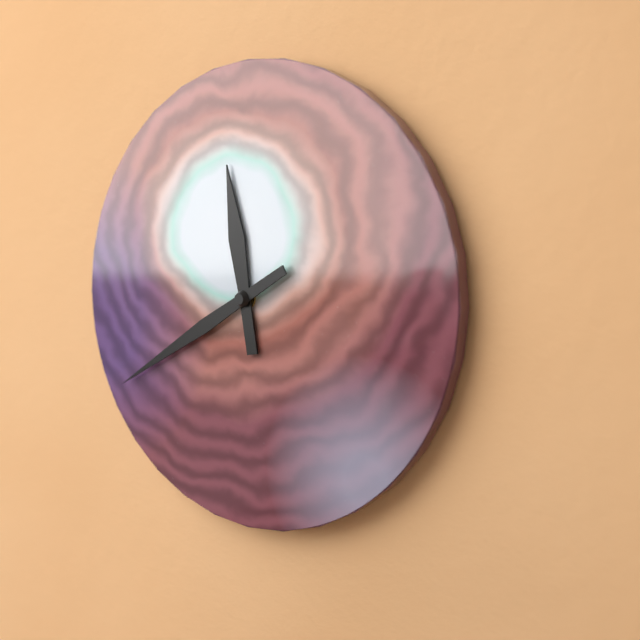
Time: h=11 m=40
